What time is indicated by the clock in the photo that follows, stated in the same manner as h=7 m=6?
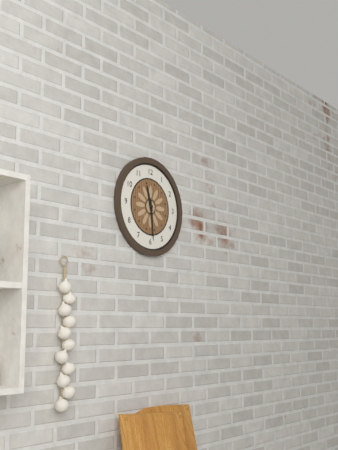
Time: h=11 m=29
